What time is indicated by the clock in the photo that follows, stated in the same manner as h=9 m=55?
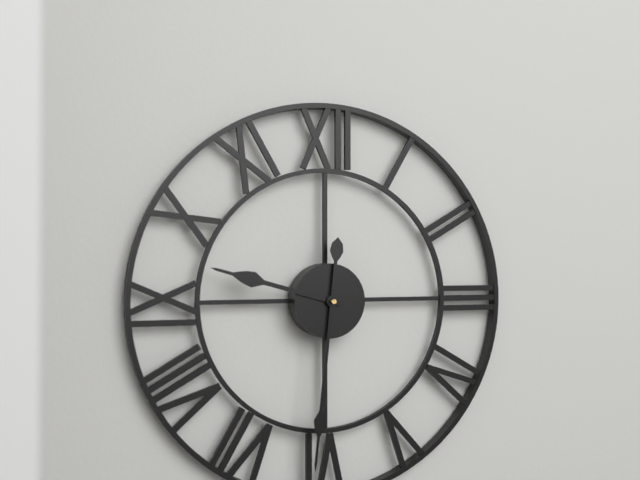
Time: h=9 m=31
